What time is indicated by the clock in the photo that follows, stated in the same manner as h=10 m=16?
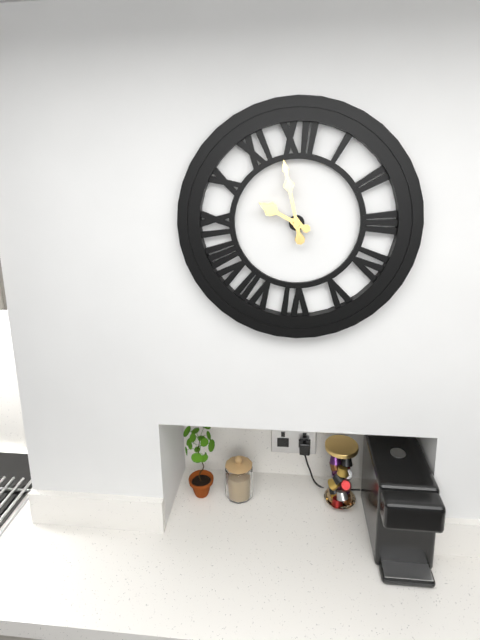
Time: h=9 m=58
